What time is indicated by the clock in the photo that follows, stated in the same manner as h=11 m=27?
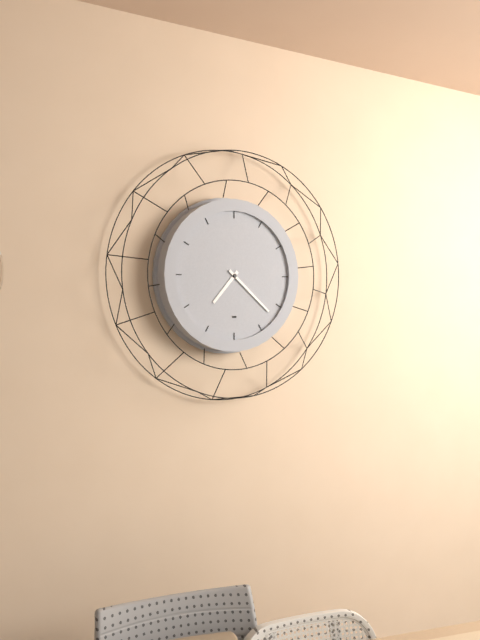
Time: h=7 m=22
